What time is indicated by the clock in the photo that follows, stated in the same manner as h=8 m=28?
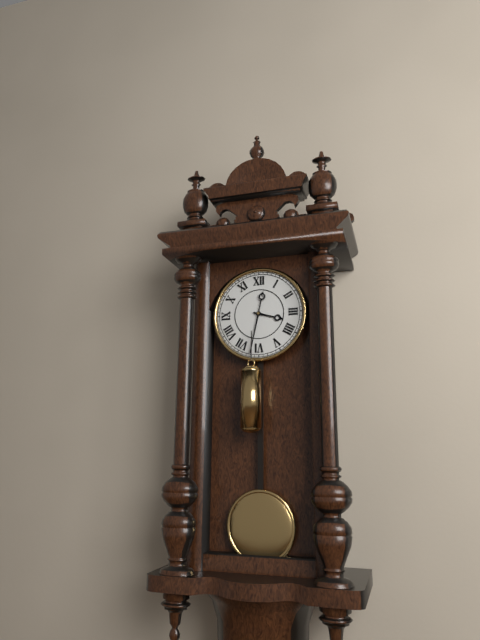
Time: h=3 m=32
